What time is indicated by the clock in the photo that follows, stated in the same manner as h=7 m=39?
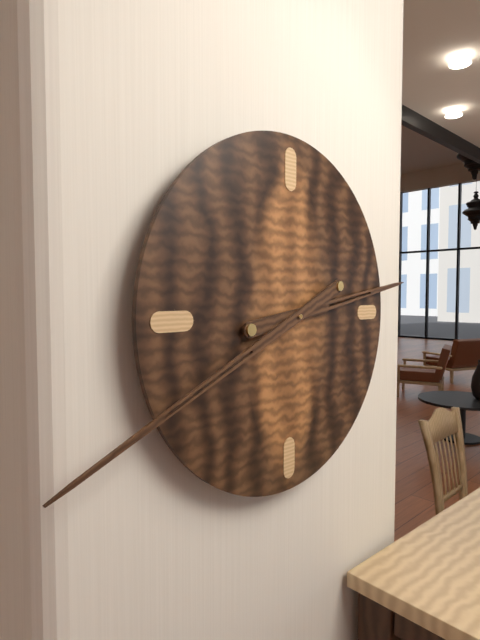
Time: h=2 m=41
